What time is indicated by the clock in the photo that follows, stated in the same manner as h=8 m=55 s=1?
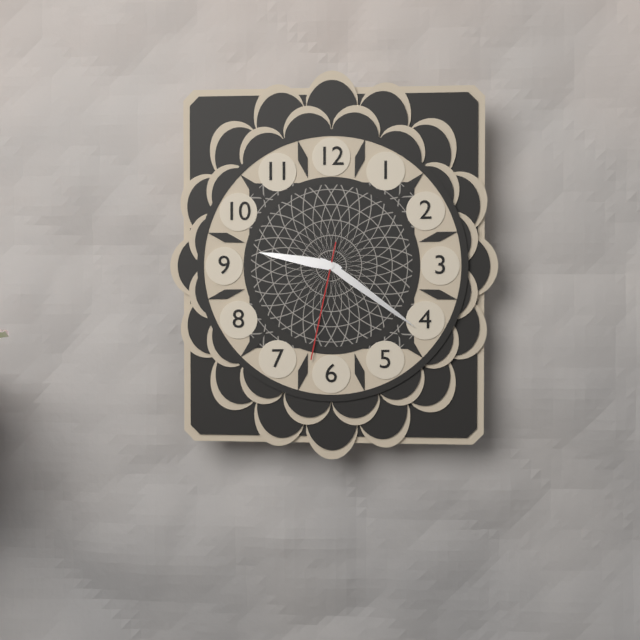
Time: h=9 m=21 s=32
